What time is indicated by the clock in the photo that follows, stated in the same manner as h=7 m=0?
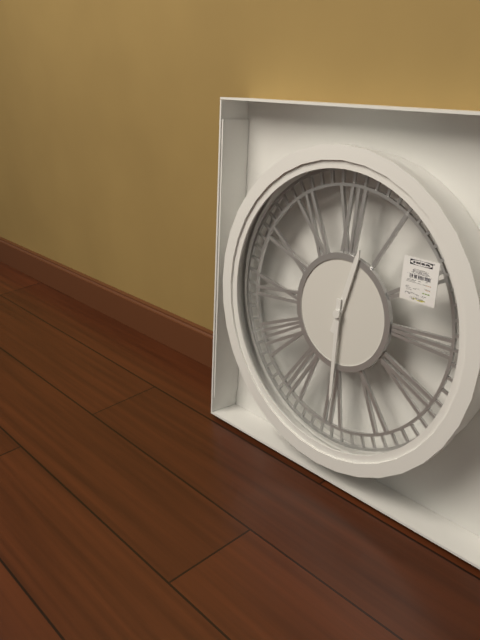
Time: h=12 m=30
